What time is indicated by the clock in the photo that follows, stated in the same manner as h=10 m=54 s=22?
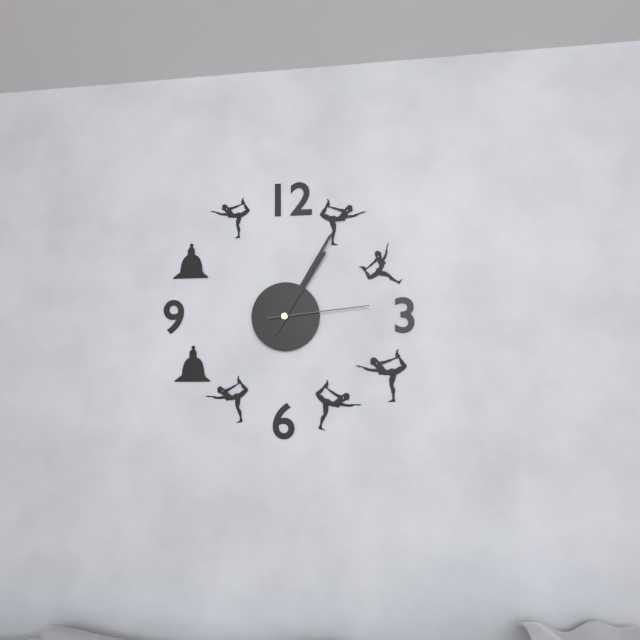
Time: h=1 m=5 s=14
